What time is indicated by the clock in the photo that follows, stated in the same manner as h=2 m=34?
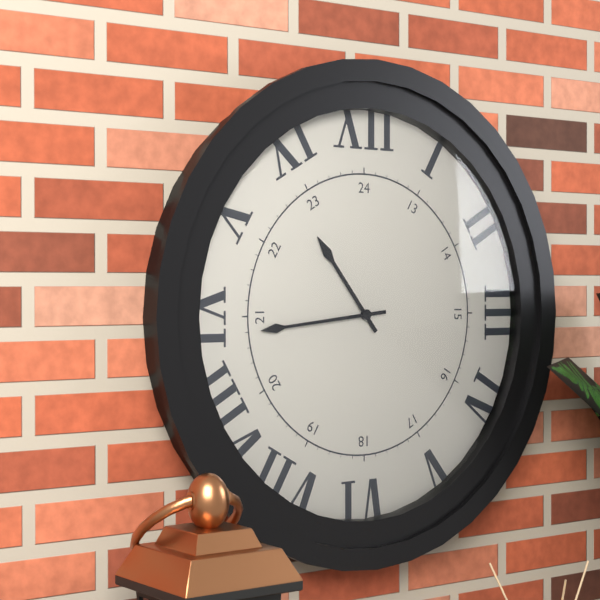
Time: h=10 m=44
